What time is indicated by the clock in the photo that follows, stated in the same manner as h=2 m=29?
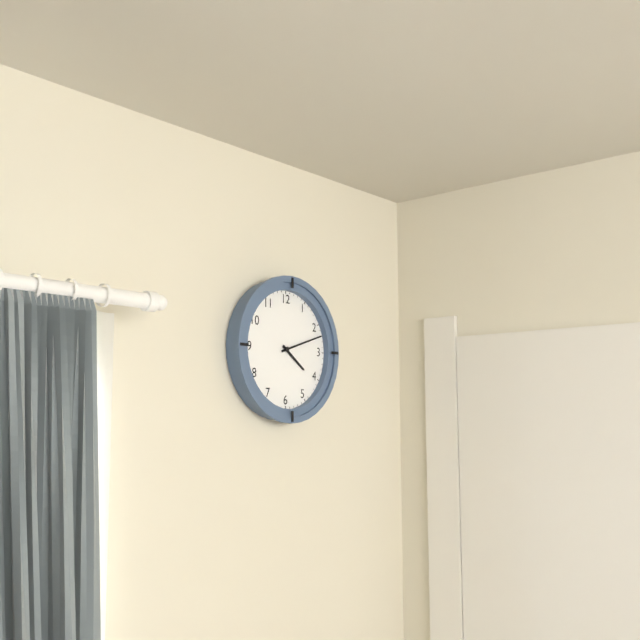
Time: h=4 m=12
